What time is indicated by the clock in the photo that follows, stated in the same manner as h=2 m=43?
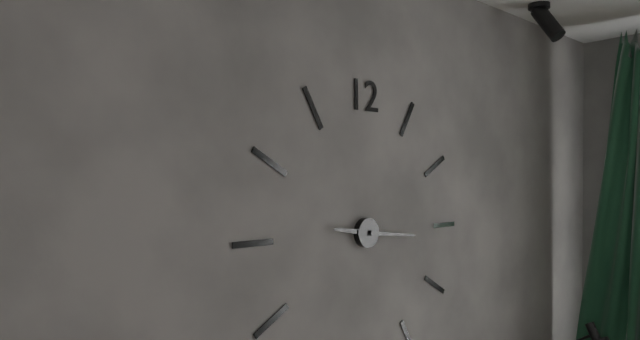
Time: h=9 m=16
